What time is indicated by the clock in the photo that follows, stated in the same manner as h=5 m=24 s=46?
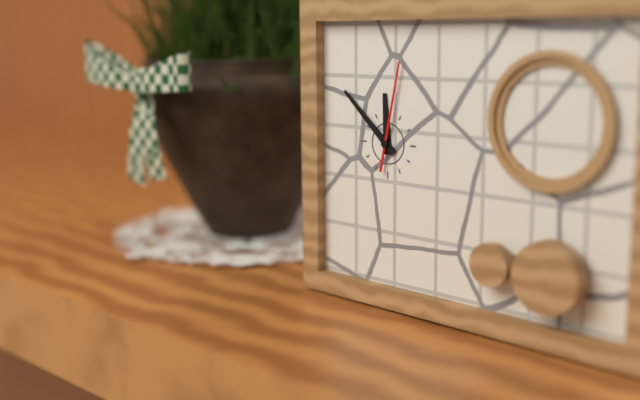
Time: h=11 m=52 s=2
